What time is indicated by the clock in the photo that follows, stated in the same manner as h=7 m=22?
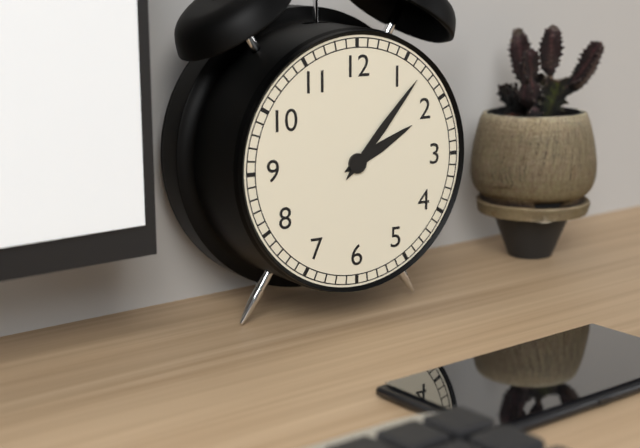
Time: h=2 m=7
